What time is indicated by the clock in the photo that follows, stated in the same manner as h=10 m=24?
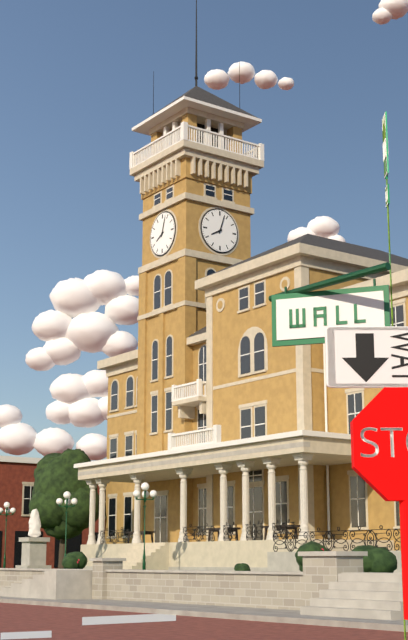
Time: h=8 m=3
